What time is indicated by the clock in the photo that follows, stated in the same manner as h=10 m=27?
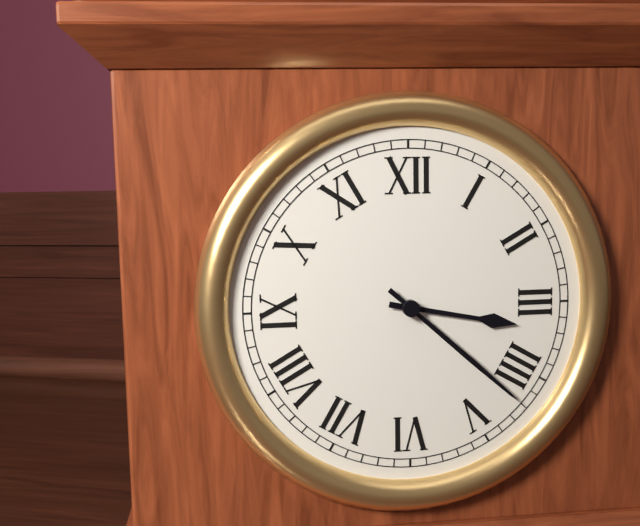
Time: h=3 m=22
